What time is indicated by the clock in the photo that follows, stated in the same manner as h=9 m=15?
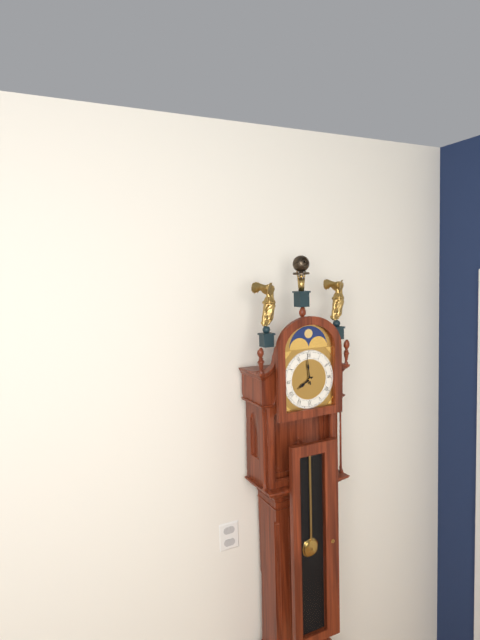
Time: h=7 m=59
